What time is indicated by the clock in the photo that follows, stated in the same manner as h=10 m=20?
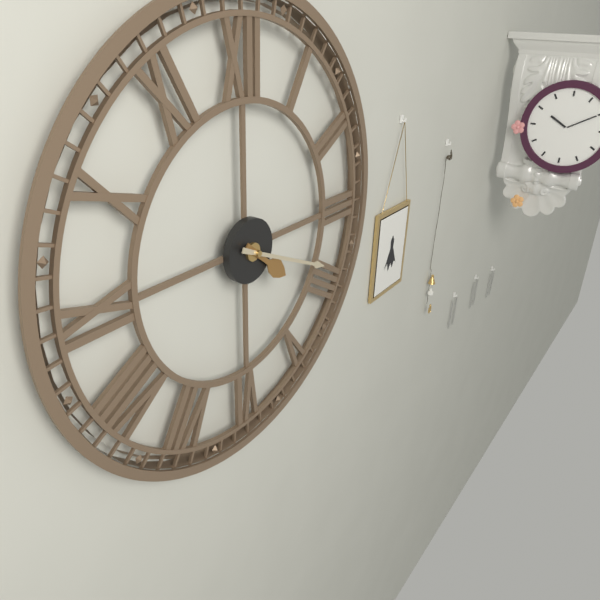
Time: h=4 m=19
